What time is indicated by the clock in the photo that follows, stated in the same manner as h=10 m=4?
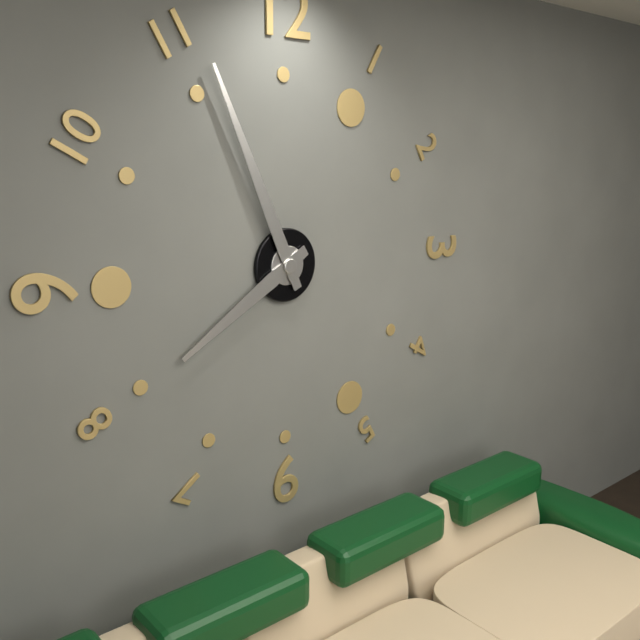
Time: h=7 m=56
